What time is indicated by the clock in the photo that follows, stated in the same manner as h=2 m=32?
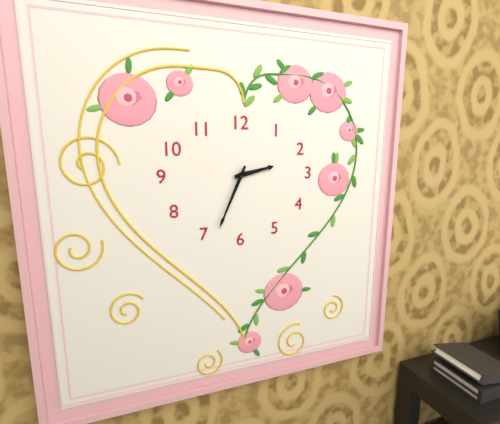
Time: h=2 m=34
